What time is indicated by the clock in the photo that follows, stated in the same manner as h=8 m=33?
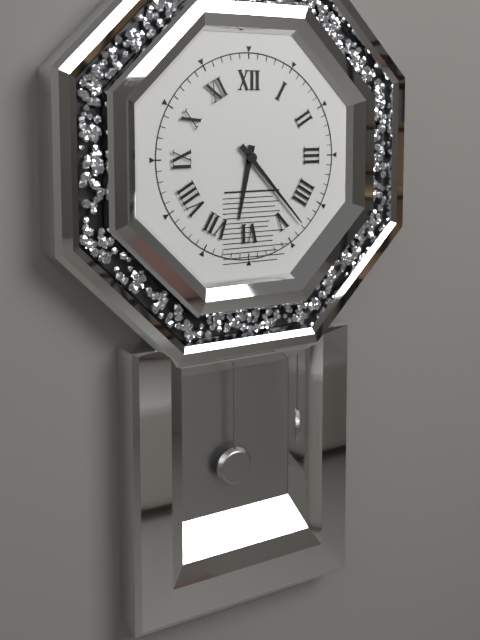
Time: h=6 m=23
